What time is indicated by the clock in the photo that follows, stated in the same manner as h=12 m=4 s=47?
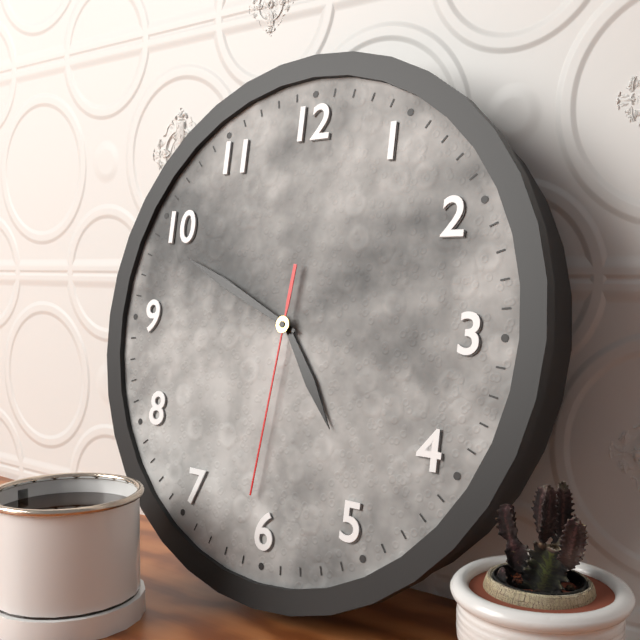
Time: h=4 m=49 s=31
